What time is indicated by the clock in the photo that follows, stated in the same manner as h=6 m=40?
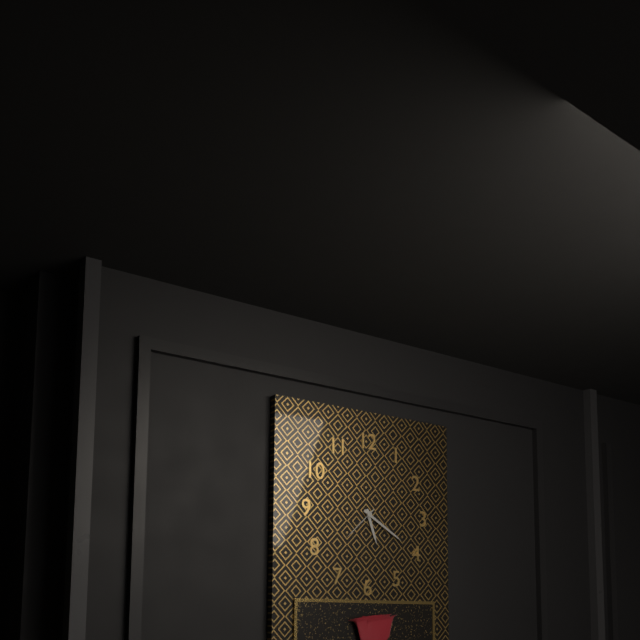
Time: h=5 m=20
